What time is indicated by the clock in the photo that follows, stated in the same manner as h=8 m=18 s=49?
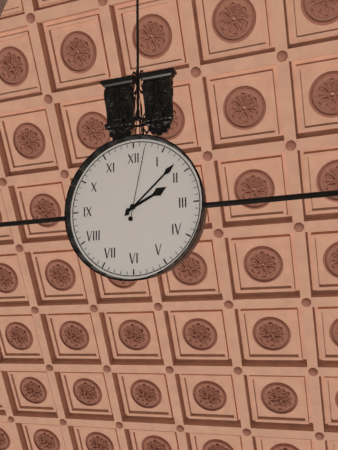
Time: h=2 m=8 s=2
